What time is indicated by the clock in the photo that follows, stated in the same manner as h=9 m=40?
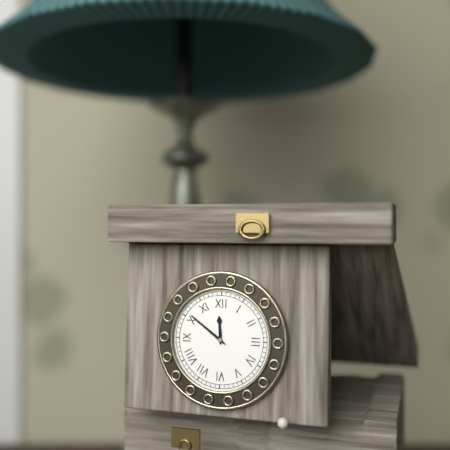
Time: h=11 m=51
